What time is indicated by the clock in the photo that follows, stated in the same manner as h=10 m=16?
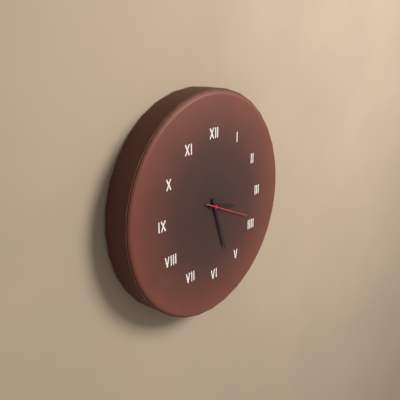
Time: h=3 m=27
